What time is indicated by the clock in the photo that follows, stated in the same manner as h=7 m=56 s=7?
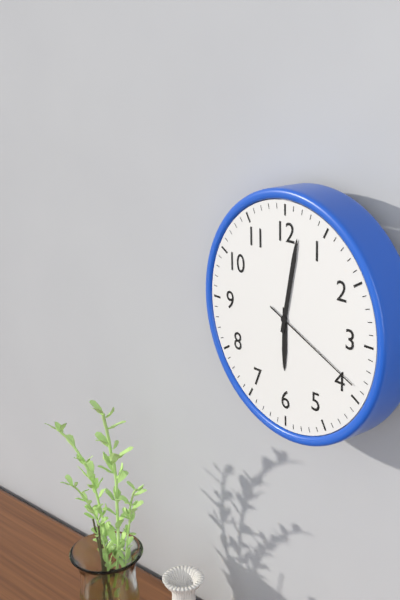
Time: h=6 m=2 s=19
